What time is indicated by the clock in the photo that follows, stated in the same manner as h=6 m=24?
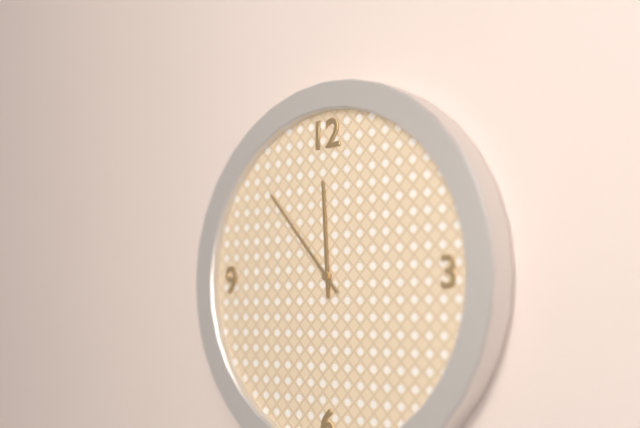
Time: h=11 m=53
